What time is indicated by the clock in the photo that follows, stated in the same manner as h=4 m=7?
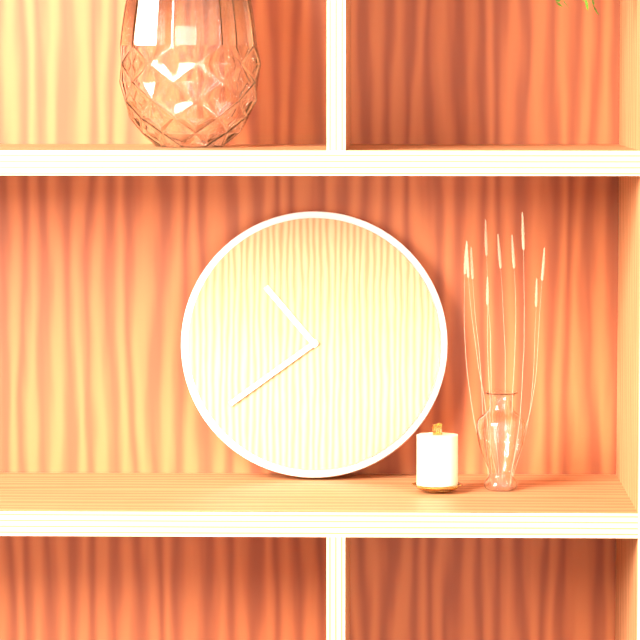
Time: h=10 m=39
